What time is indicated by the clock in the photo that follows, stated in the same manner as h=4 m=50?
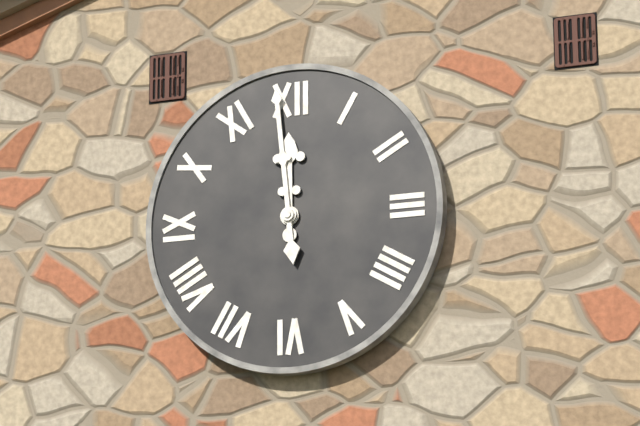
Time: h=11 m=59
